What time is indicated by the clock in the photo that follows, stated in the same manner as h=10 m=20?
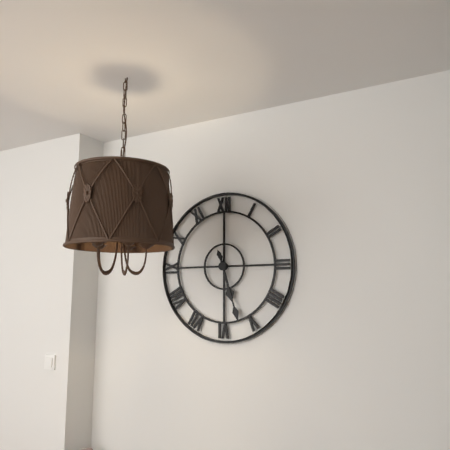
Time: h=5 m=27
